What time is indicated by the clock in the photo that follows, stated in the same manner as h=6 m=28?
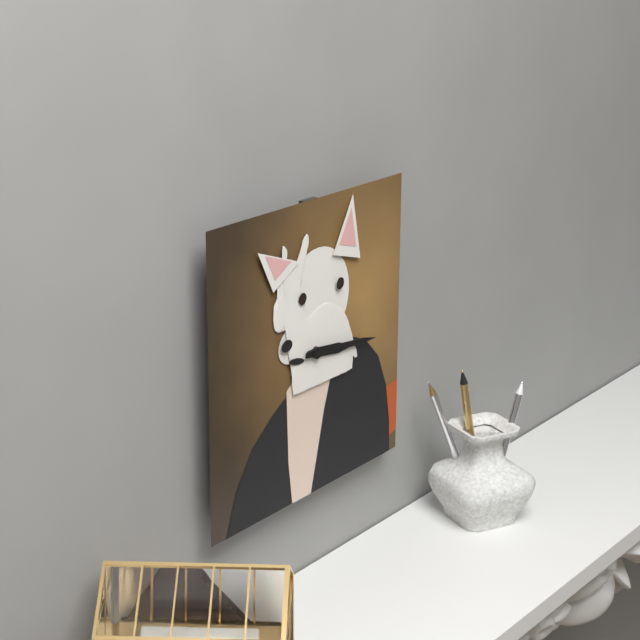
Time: h=3 m=16
